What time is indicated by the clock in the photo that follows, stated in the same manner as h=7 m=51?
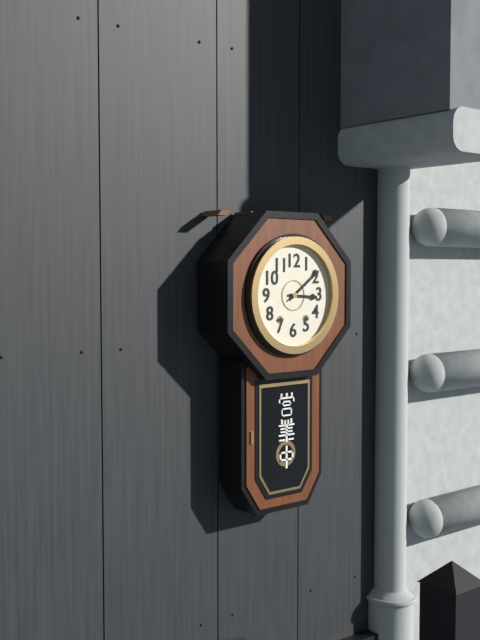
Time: h=3 m=9
